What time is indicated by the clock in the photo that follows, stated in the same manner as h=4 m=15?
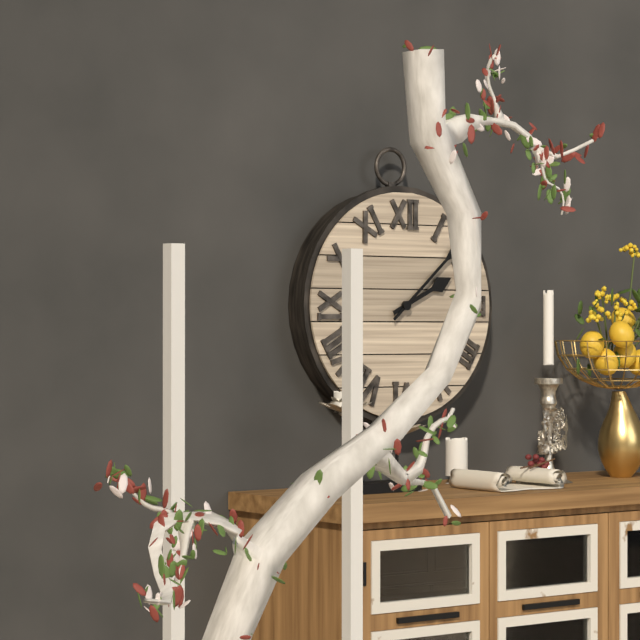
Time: h=2 m=8
